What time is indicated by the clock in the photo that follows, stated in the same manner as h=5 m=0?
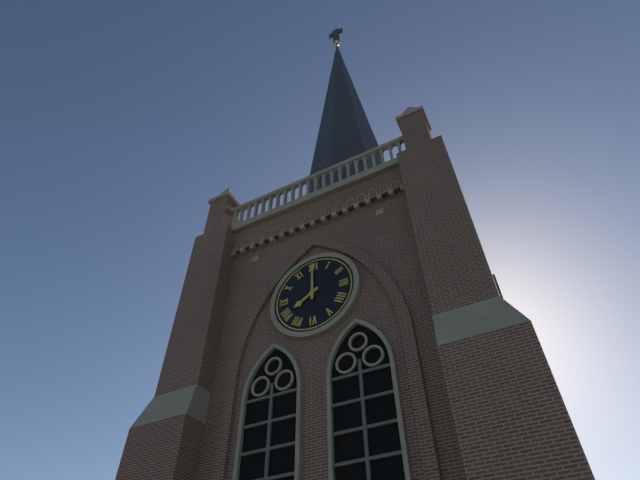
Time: h=8 m=0
